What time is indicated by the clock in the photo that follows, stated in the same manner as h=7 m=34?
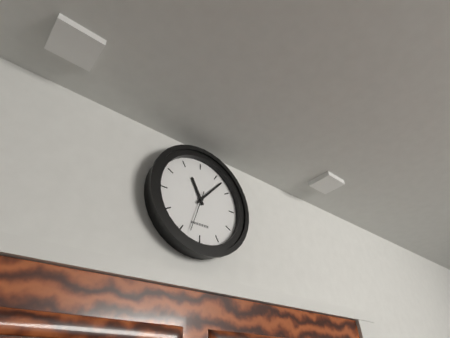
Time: h=11 m=7
